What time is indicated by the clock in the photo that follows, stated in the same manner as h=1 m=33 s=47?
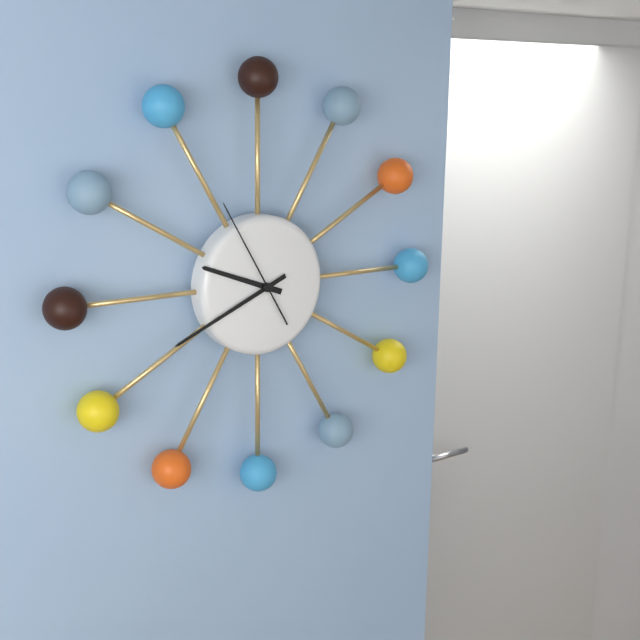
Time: h=9 m=41 s=55
